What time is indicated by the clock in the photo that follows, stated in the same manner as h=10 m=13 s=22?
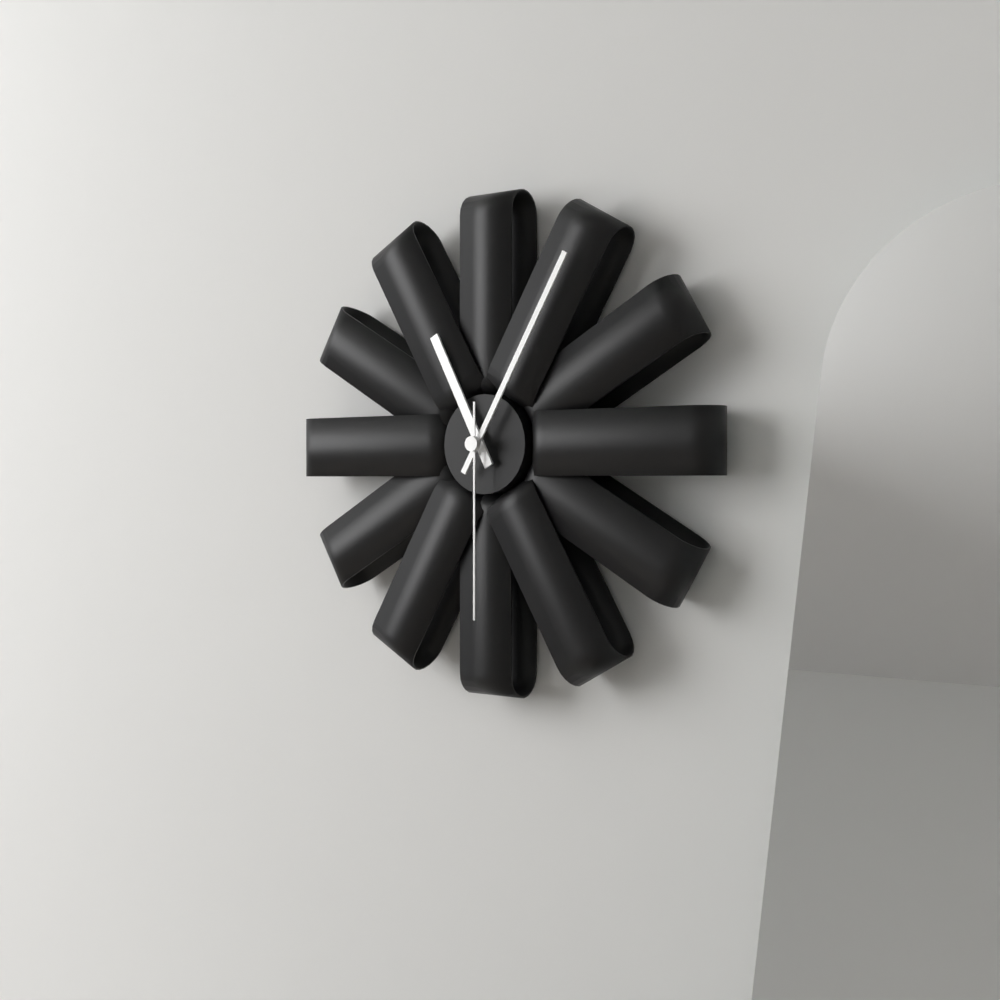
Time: h=11 m=5 s=30
